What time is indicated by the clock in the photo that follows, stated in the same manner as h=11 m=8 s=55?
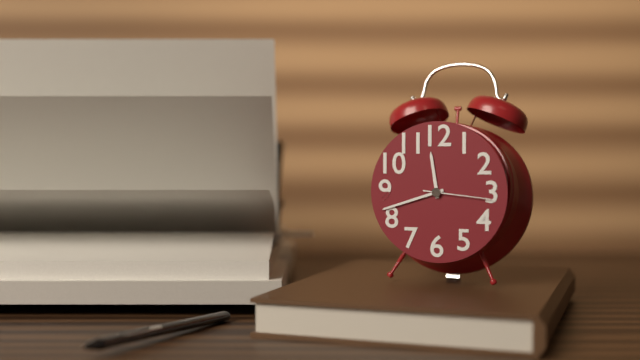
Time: h=11 m=42 s=16
